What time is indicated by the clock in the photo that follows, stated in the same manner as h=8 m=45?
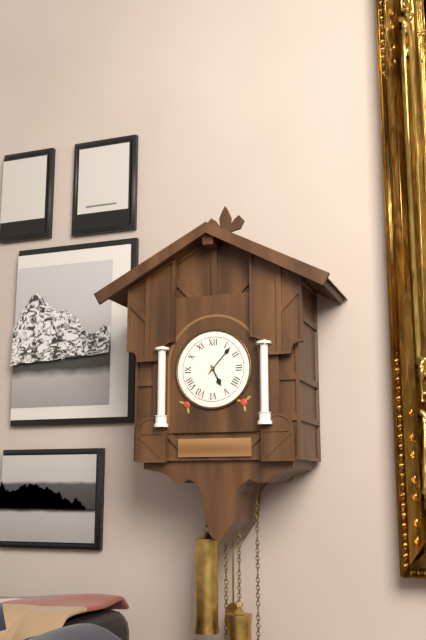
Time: h=5 m=7
